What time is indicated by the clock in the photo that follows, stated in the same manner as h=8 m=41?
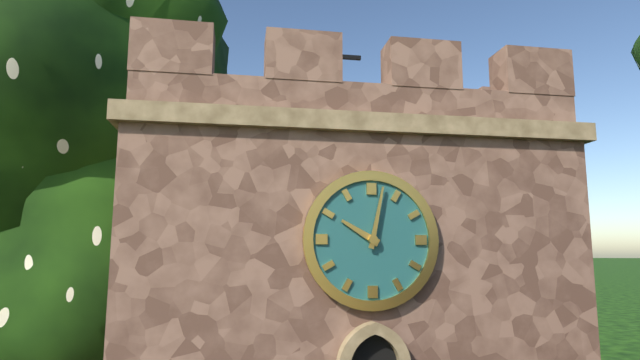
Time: h=10 m=2
